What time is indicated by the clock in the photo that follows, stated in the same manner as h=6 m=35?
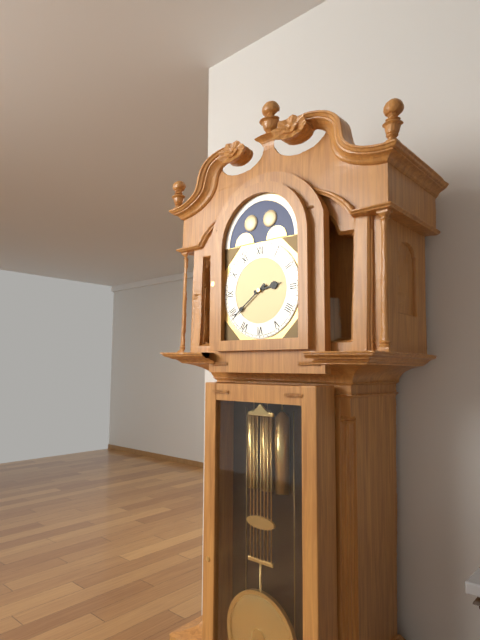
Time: h=2 m=39
